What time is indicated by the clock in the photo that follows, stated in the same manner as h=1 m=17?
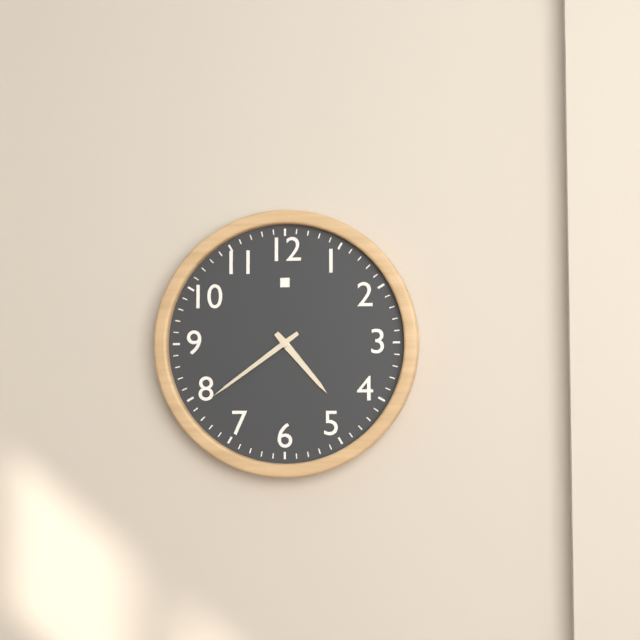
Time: h=4 m=39
